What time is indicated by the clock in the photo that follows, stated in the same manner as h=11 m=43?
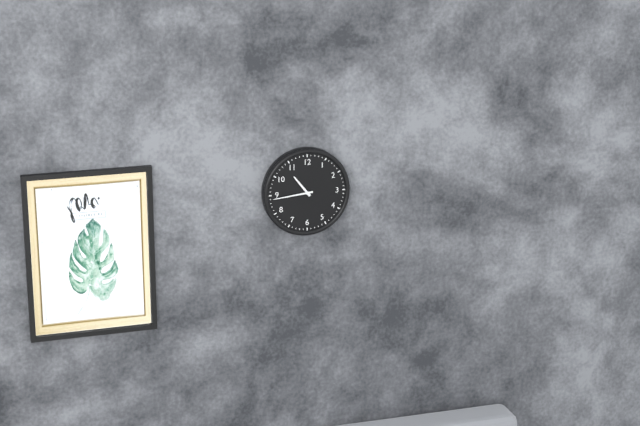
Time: h=10 m=44
